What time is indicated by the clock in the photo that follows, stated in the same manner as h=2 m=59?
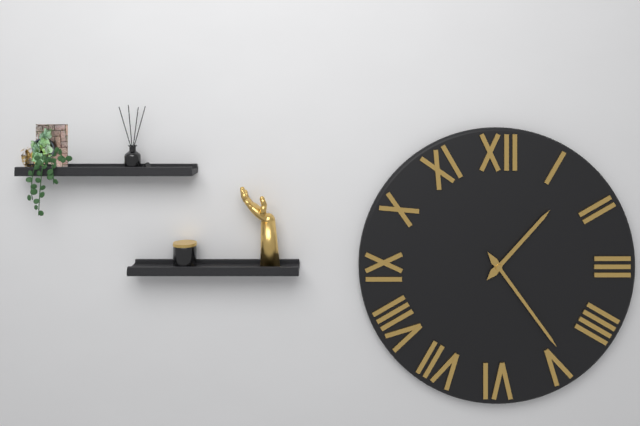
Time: h=1 m=24
